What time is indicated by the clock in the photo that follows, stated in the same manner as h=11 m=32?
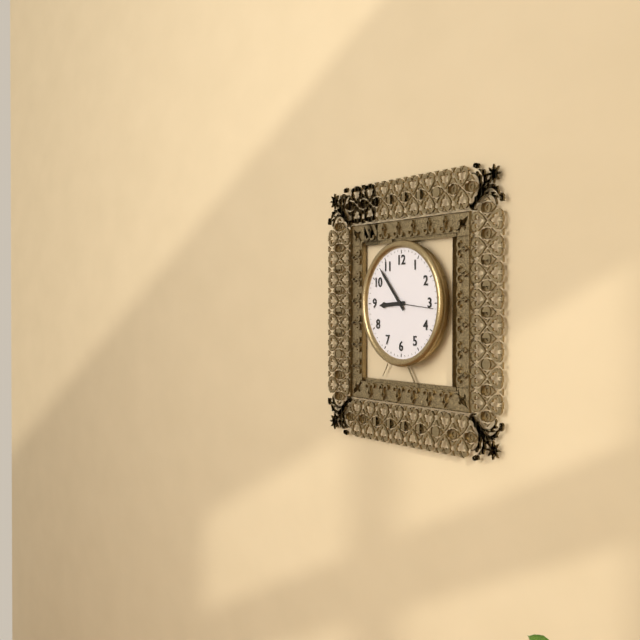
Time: h=8 m=53
